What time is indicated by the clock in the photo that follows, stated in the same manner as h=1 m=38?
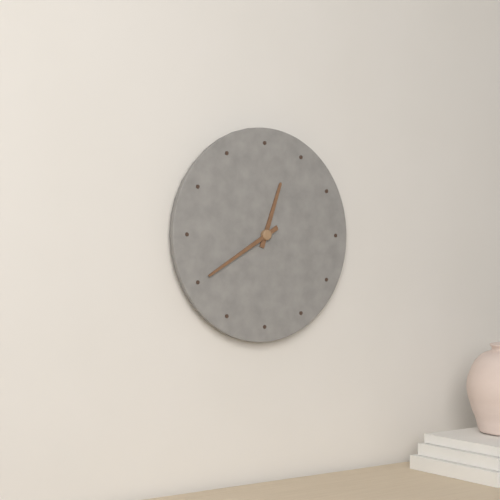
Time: h=12 m=40
